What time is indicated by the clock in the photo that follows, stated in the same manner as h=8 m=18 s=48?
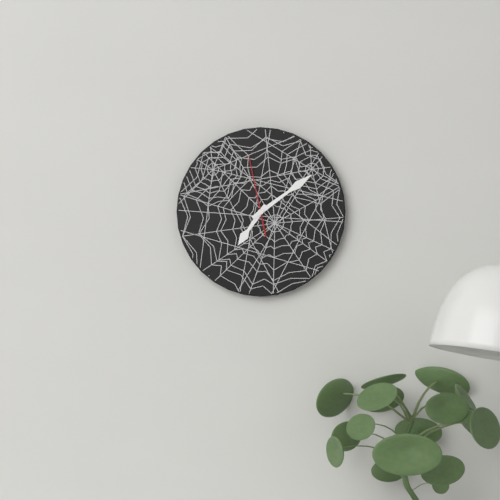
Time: h=7 m=9 s=58
